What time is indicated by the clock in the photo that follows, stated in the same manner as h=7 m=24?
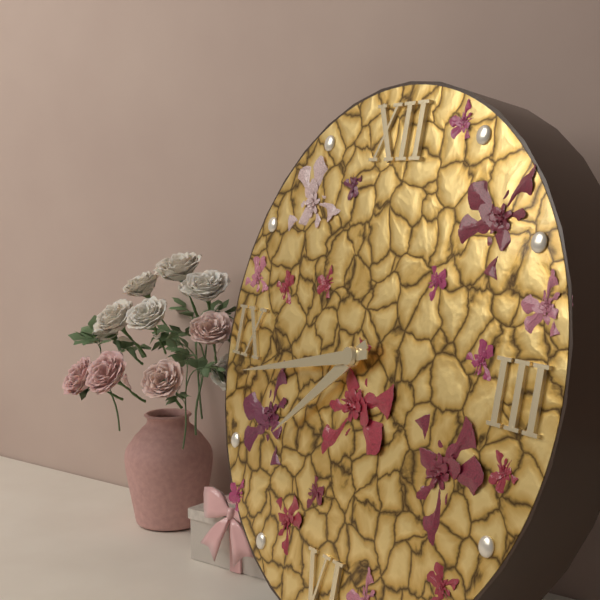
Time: h=7 m=43
